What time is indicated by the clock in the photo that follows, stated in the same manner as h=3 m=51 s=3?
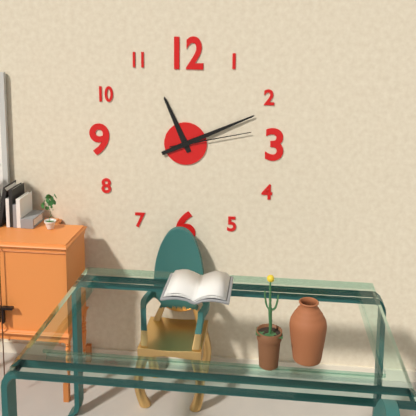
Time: h=11 m=11 s=13
